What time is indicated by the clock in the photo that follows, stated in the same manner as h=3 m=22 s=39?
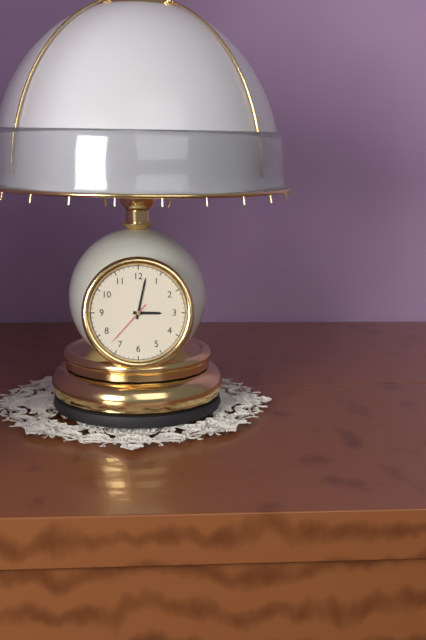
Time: h=3 m=2 s=37
